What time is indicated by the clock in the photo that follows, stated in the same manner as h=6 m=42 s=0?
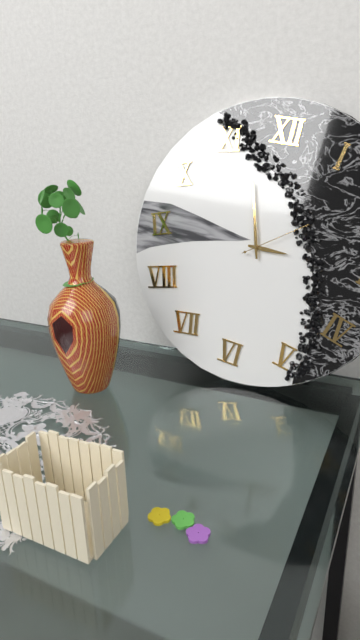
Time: h=2 m=57 s=9
